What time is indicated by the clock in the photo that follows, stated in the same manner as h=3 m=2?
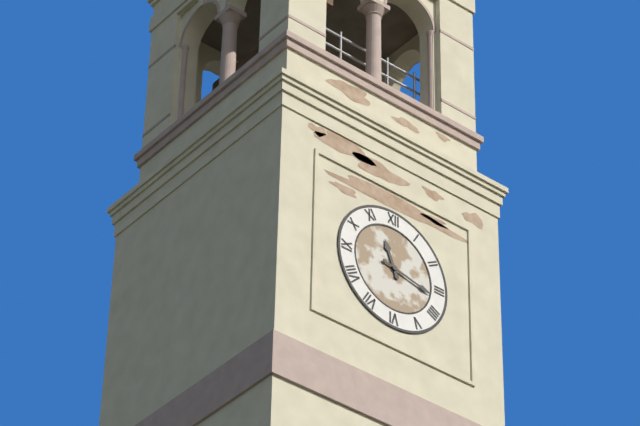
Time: h=11 m=17
